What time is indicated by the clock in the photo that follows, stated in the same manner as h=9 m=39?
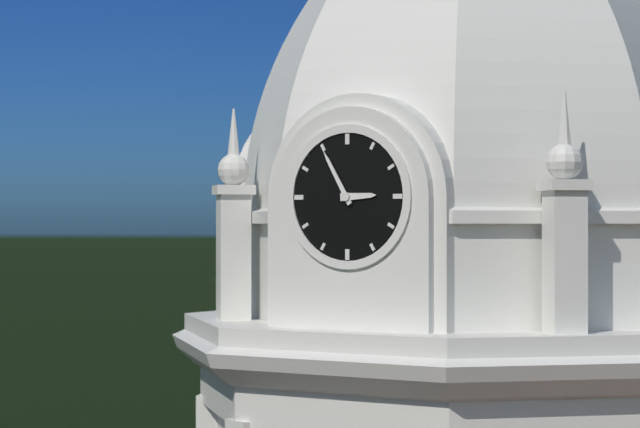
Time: h=2 m=55
